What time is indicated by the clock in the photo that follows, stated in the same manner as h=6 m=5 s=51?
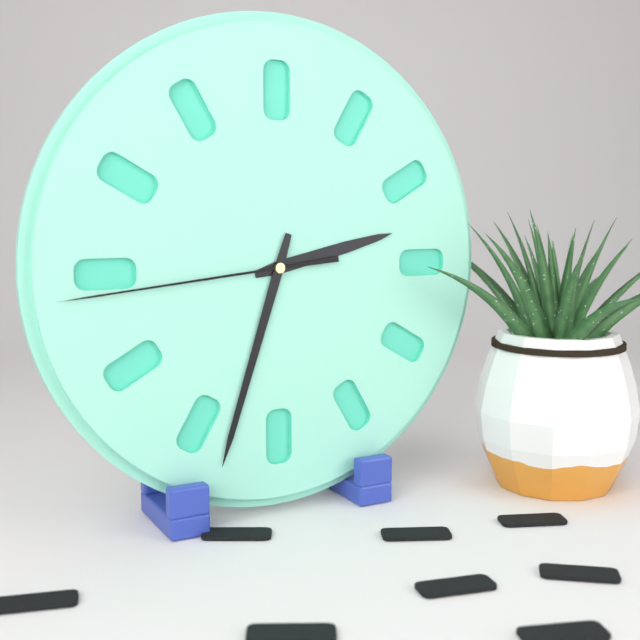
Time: h=2 m=33 s=44
